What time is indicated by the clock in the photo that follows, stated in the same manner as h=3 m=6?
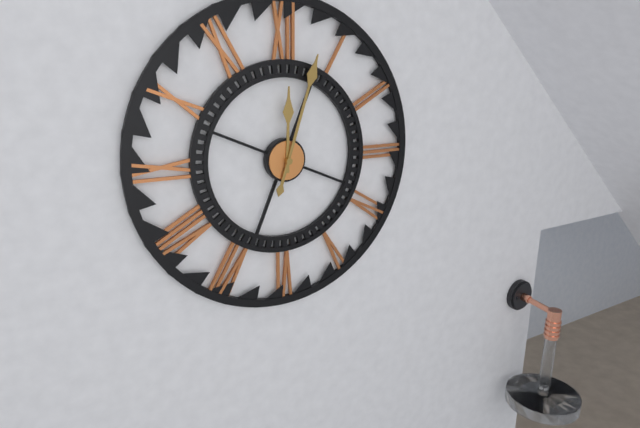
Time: h=12 m=3
